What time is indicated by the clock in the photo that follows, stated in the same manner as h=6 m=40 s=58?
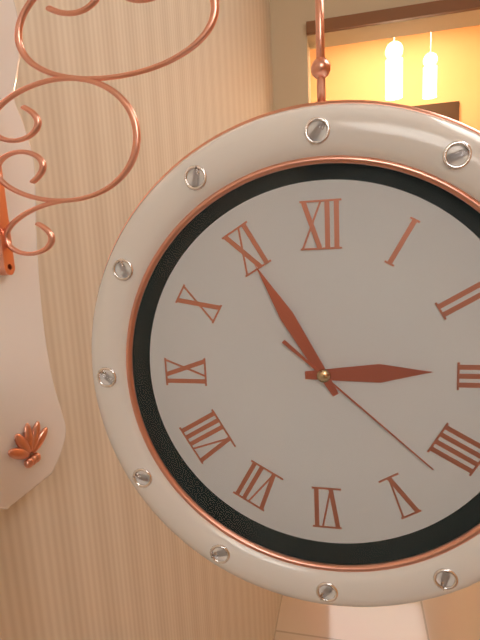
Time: h=2 m=55 s=22
